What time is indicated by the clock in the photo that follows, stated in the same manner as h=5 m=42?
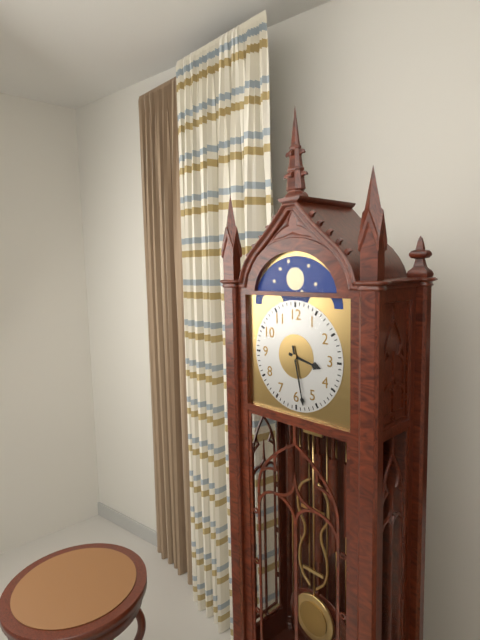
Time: h=3 m=28
